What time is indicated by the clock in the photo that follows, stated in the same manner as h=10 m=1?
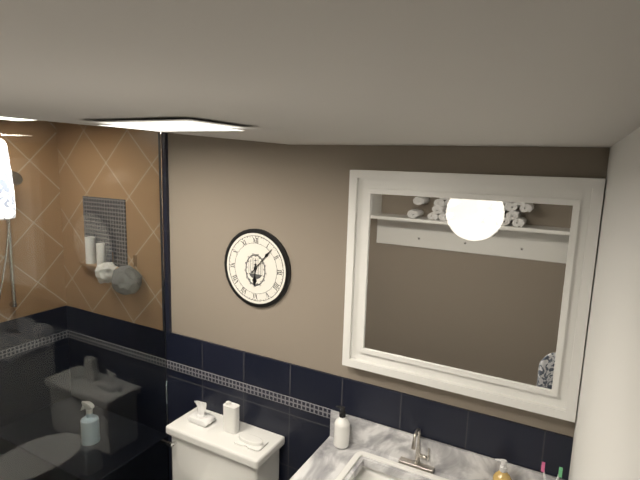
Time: h=6 m=7
